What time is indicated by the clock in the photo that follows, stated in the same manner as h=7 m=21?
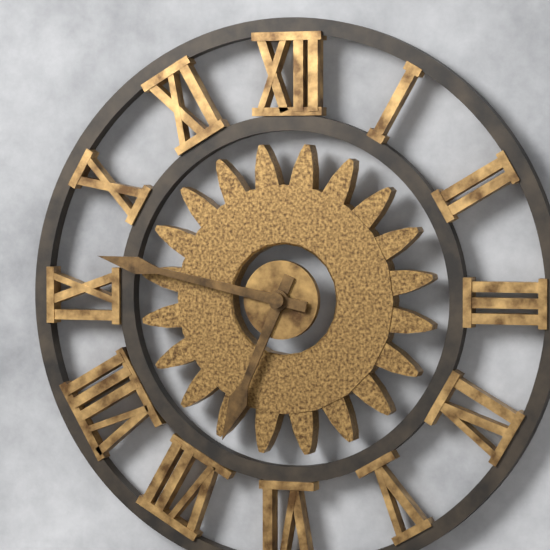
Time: h=6 m=47
